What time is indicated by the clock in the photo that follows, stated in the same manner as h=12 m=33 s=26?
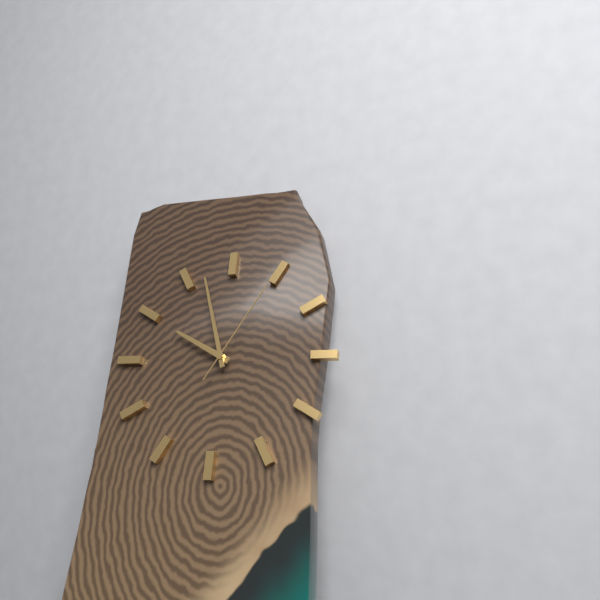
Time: h=9 m=57 s=5
